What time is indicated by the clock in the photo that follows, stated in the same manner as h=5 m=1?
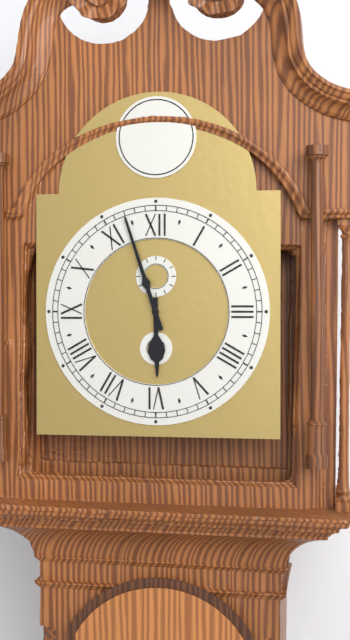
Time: h=5 m=57
